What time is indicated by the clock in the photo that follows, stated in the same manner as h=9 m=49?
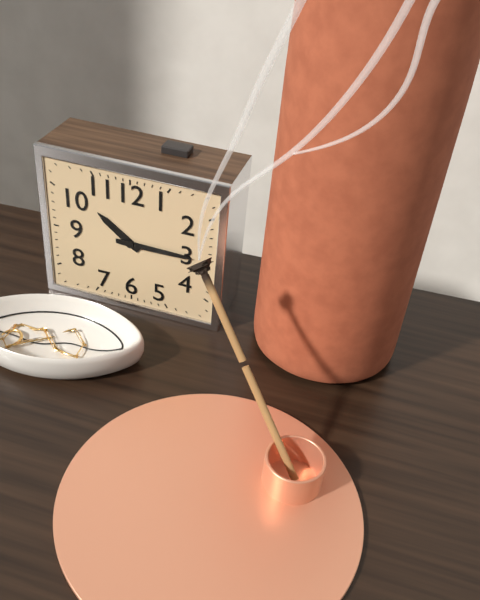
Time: h=10 m=15
